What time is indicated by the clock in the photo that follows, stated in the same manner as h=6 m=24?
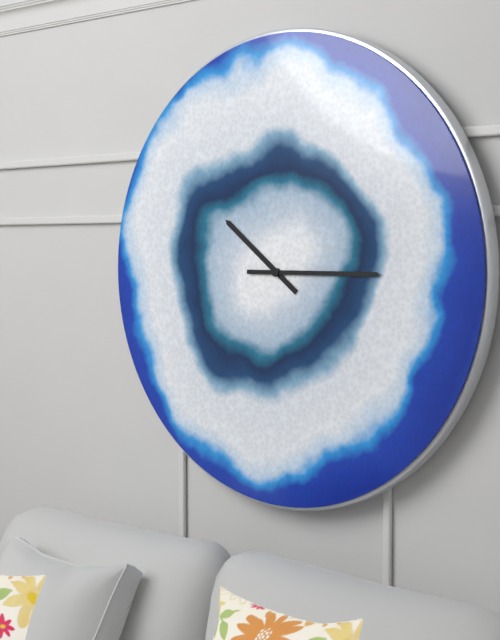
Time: h=10 m=15
